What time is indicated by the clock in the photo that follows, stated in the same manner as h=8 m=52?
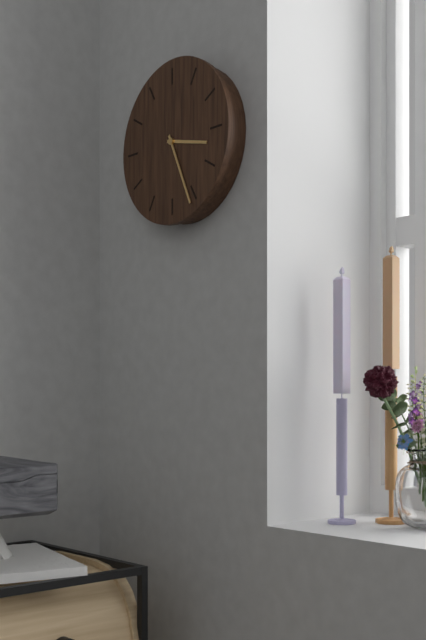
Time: h=3 m=26
